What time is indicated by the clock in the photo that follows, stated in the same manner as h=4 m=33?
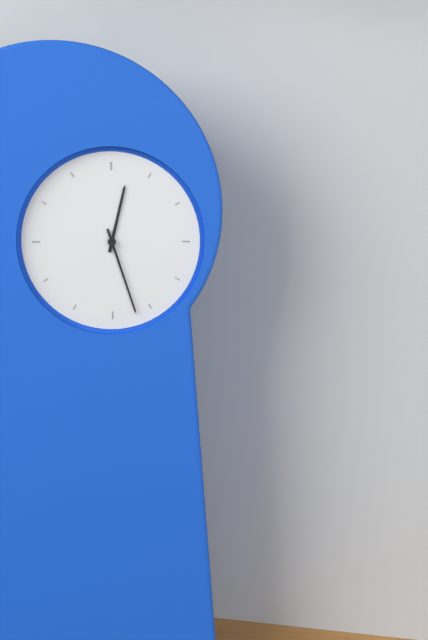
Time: h=12 m=27
